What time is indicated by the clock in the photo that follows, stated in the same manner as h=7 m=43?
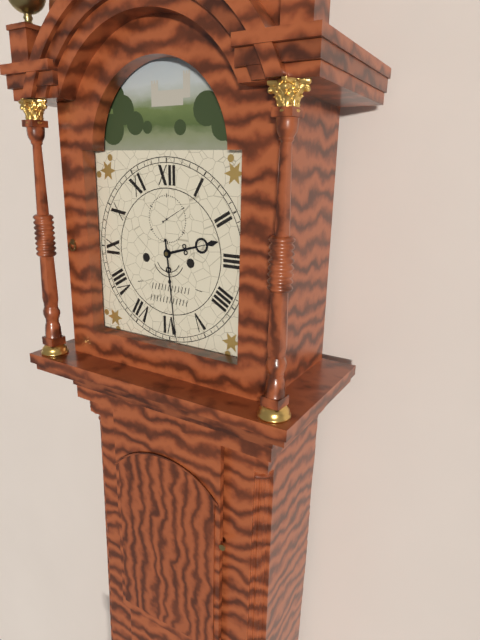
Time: h=2 m=29
